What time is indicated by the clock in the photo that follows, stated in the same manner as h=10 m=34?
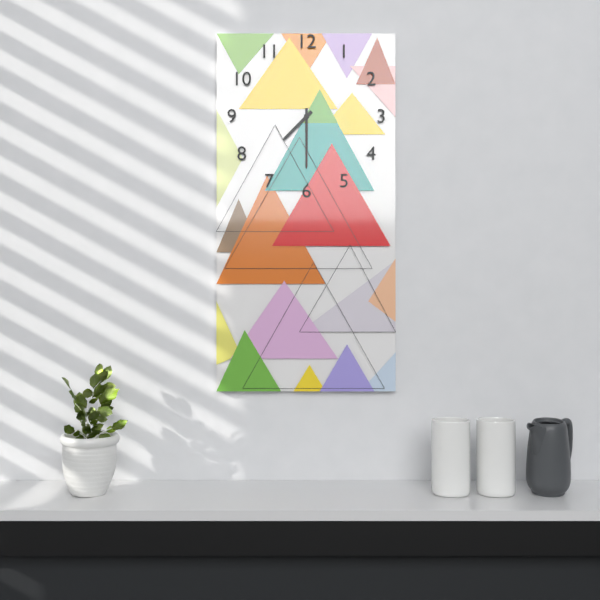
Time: h=7 m=30
